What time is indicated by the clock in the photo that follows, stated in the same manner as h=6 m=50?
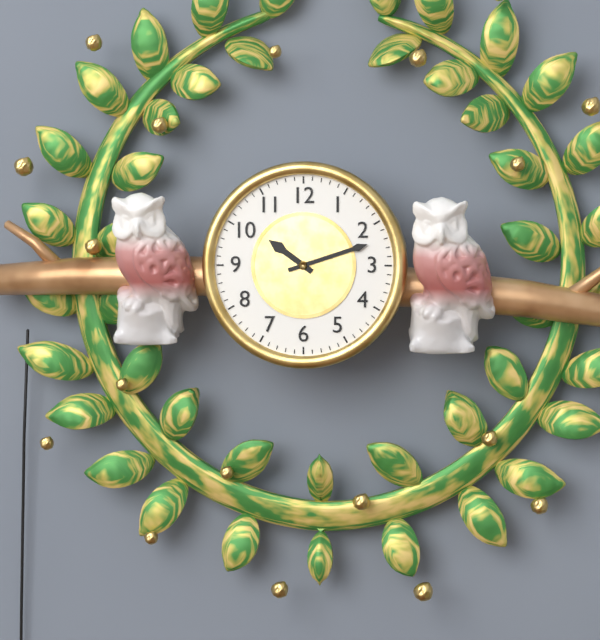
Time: h=10 m=12
